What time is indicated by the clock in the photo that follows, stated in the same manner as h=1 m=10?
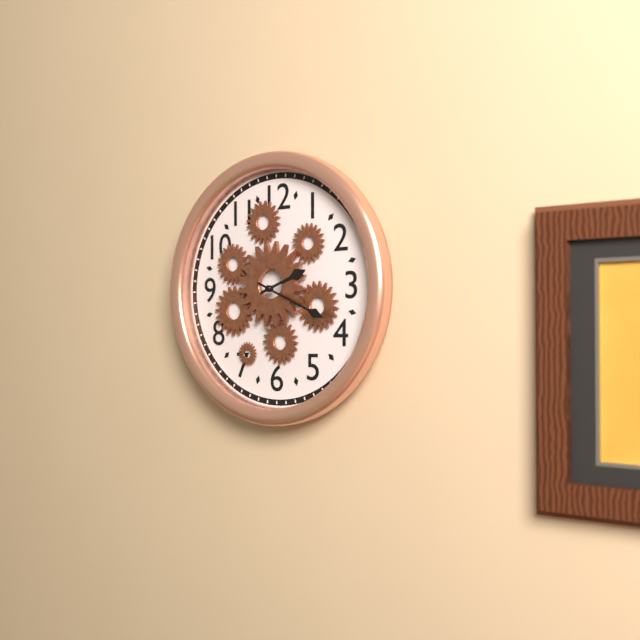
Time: h=2 m=19
